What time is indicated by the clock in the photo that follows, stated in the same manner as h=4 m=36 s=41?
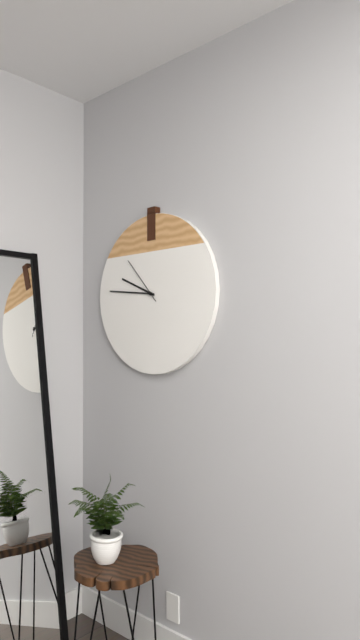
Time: h=9 m=46 s=53
